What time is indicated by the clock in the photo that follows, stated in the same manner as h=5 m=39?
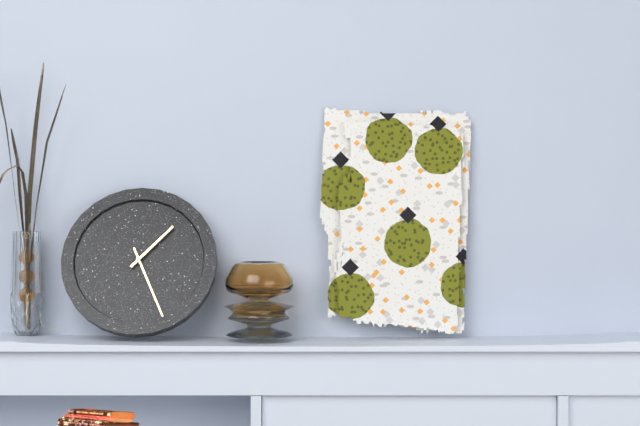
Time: h=1 m=26
